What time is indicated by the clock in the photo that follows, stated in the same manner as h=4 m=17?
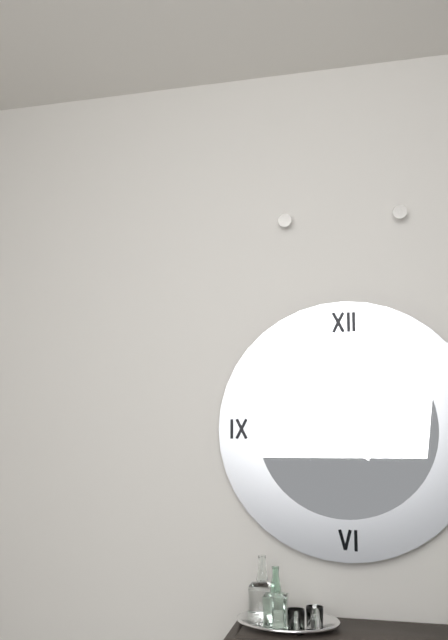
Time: h=4 m=49
